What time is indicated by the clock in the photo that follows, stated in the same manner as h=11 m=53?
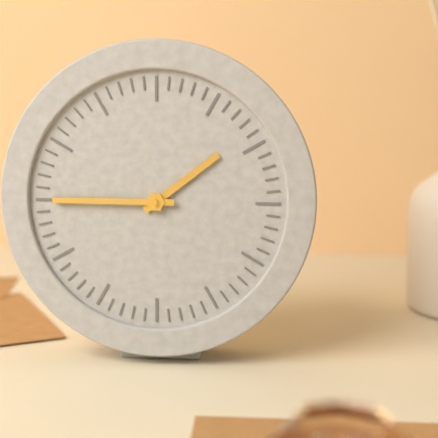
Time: h=1 m=45
